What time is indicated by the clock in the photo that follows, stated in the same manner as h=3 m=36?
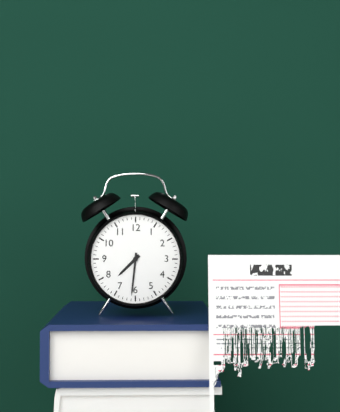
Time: h=7 m=31
